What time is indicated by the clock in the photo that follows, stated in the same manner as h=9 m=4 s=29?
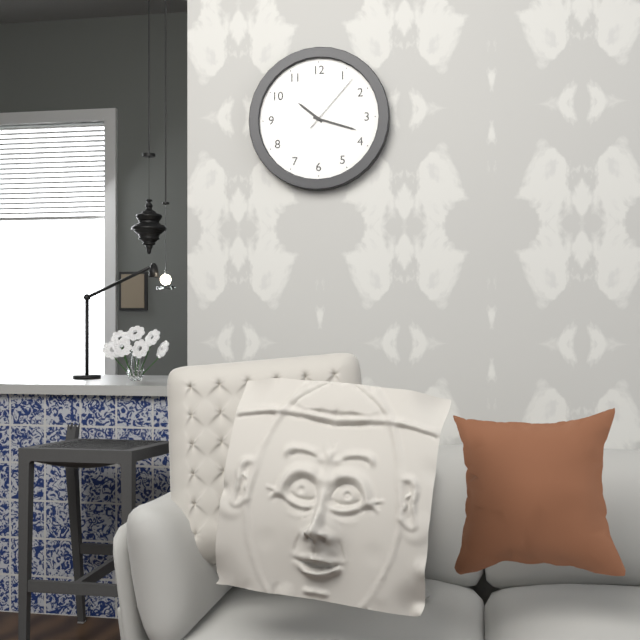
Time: h=10 m=18 s=7
